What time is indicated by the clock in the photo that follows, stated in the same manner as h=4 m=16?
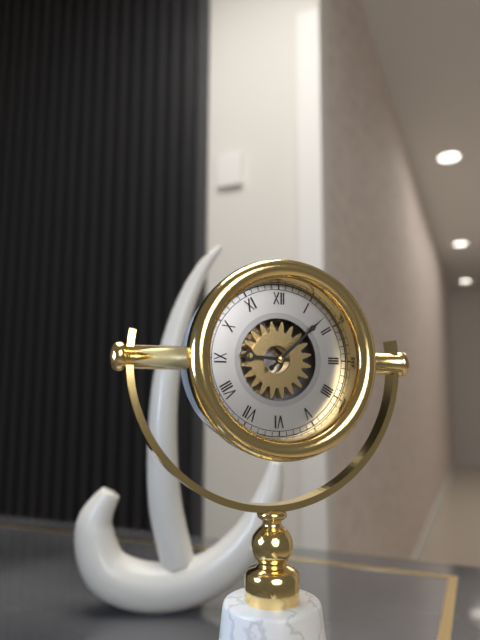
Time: h=9 m=8
